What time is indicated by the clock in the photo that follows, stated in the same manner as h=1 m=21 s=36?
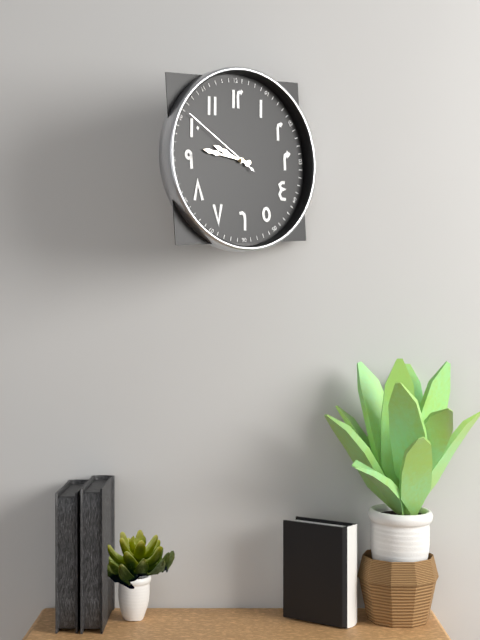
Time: h=9 m=47 s=51
